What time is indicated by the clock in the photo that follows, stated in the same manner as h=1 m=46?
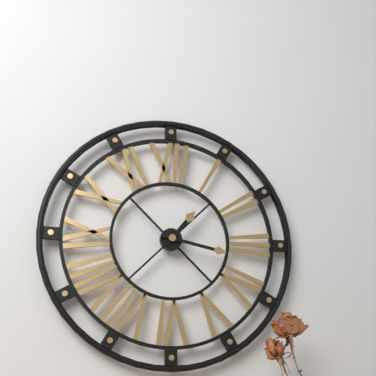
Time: h=1 m=17
